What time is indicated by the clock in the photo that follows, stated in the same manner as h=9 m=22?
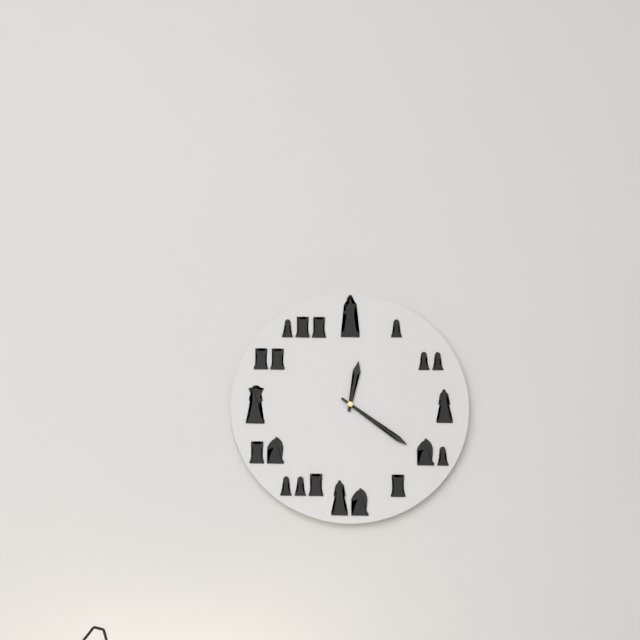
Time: h=12 m=21
